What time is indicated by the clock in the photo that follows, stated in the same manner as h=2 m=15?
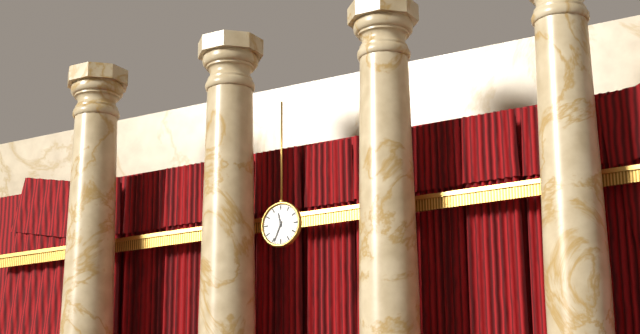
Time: h=11 m=34
